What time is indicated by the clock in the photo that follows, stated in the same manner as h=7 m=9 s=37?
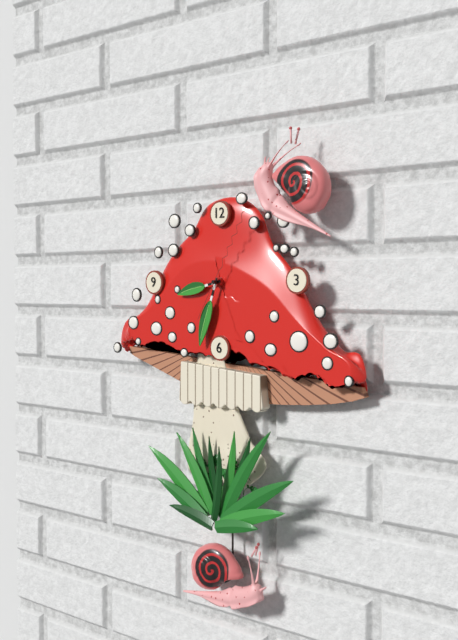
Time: h=8 m=33 s=5
